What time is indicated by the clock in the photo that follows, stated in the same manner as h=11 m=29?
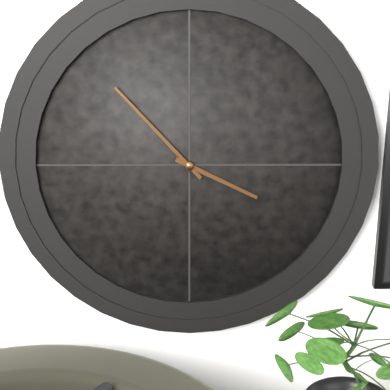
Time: h=3 m=53
